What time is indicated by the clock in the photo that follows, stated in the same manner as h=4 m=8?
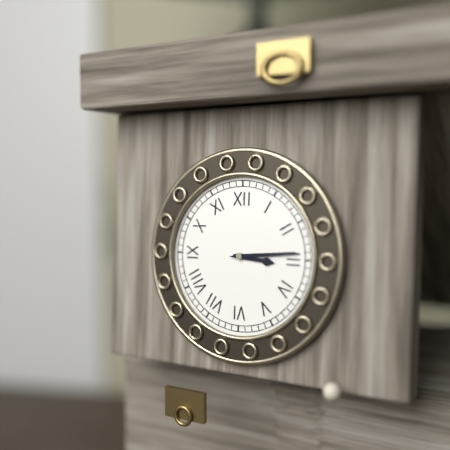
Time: h=3 m=14
